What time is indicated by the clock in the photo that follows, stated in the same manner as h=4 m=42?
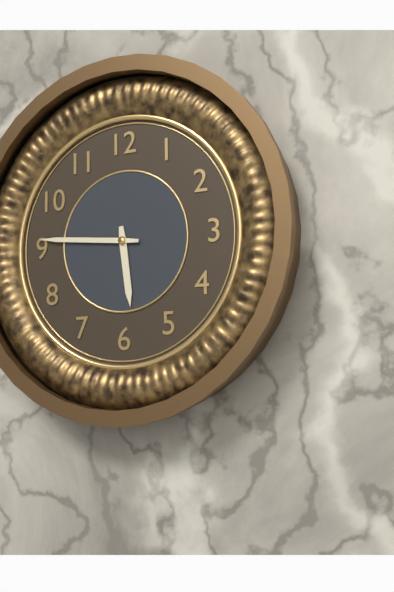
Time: h=5 m=46
